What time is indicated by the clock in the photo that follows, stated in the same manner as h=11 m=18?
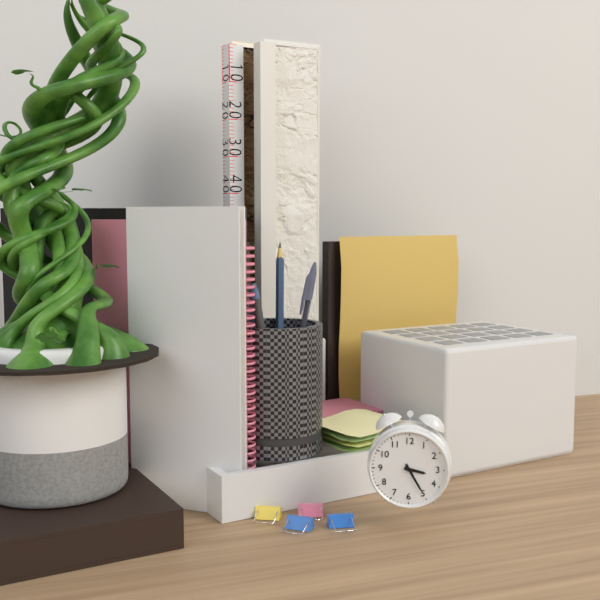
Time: h=3 m=25
